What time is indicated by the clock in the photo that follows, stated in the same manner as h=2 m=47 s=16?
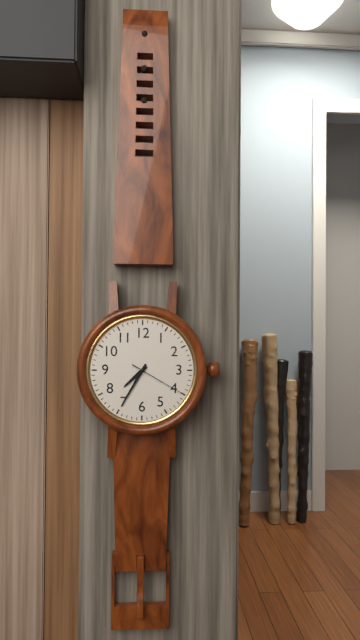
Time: h=7 m=35 s=20
